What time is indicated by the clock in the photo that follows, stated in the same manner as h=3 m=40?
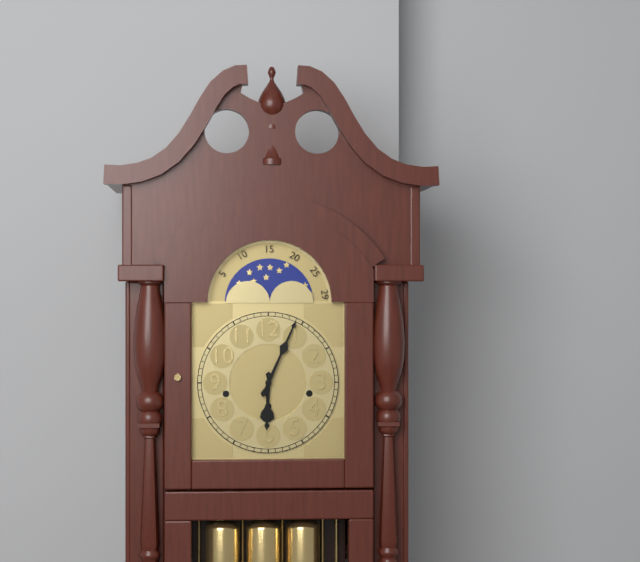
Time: h=6 m=4
